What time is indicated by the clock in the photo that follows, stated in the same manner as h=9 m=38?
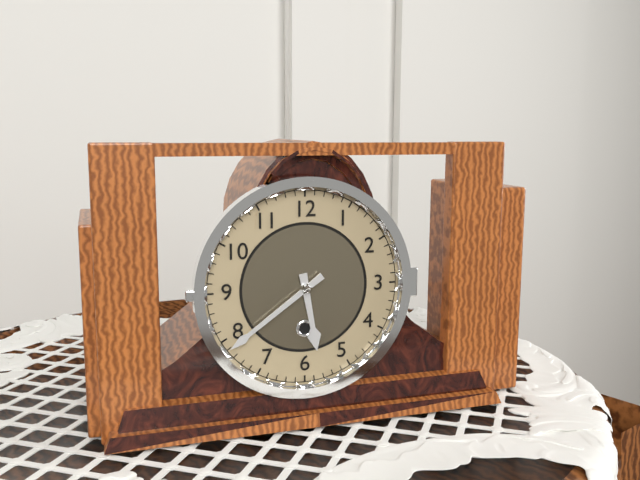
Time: h=5 m=39
